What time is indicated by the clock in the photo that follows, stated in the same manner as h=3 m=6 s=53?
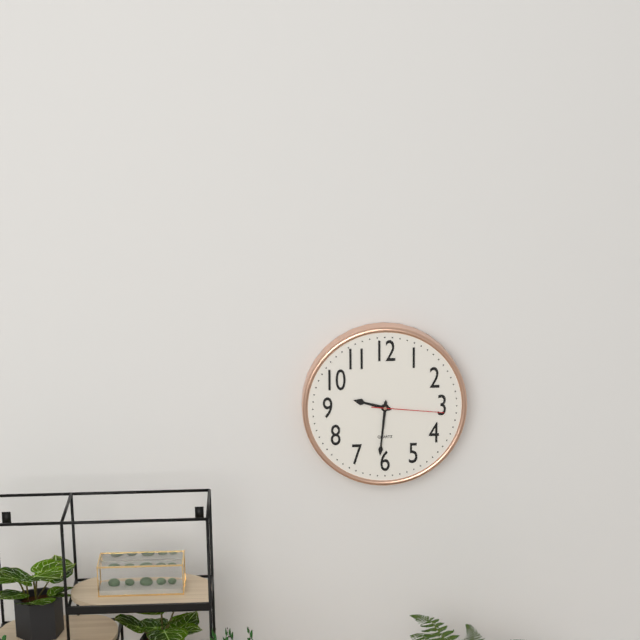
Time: h=9 m=31 s=16
